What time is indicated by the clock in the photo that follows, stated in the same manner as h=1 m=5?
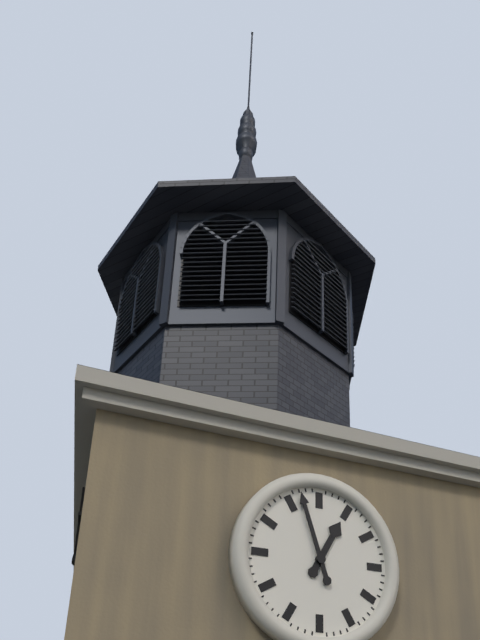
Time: h=12 m=57
